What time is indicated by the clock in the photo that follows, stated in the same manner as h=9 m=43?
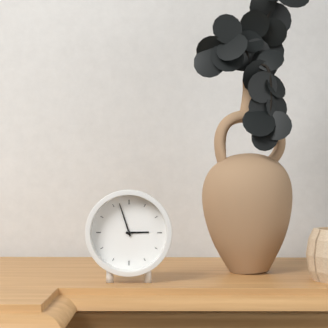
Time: h=2 m=57
